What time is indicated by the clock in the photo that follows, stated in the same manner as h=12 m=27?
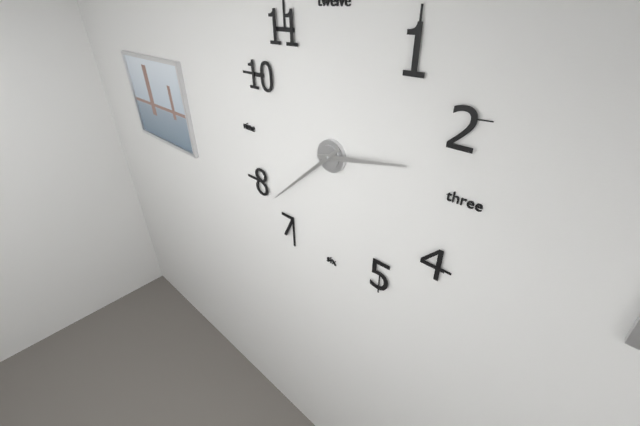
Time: h=2 m=38
